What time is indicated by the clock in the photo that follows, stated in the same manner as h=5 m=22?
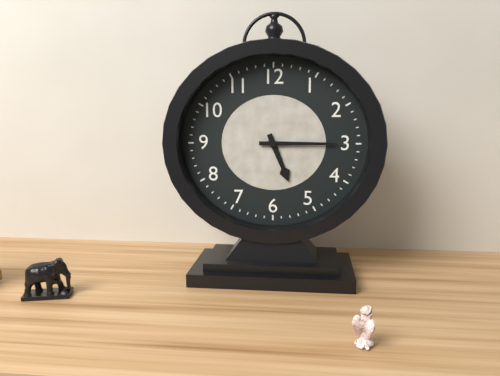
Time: h=5 m=15
